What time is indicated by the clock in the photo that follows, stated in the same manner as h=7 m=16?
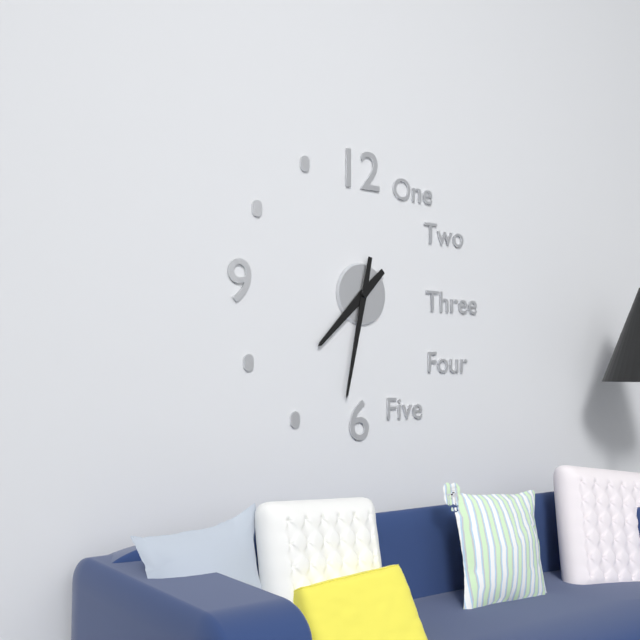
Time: h=7 m=32
